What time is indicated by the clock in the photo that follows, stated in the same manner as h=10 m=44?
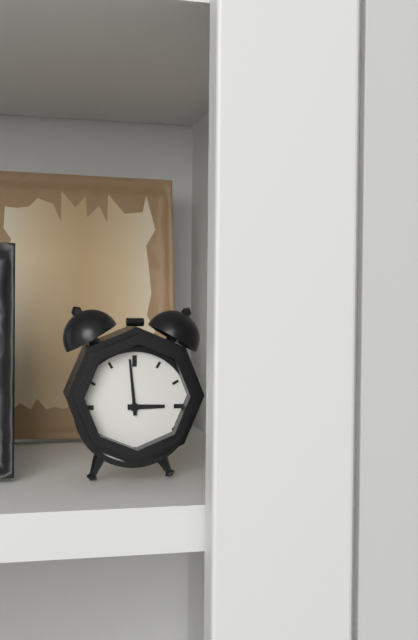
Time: h=2 m=59
